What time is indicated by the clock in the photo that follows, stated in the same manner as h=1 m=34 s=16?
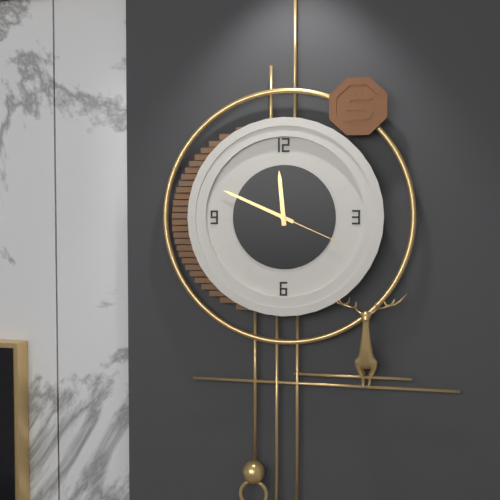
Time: h=11 m=49 s=19
